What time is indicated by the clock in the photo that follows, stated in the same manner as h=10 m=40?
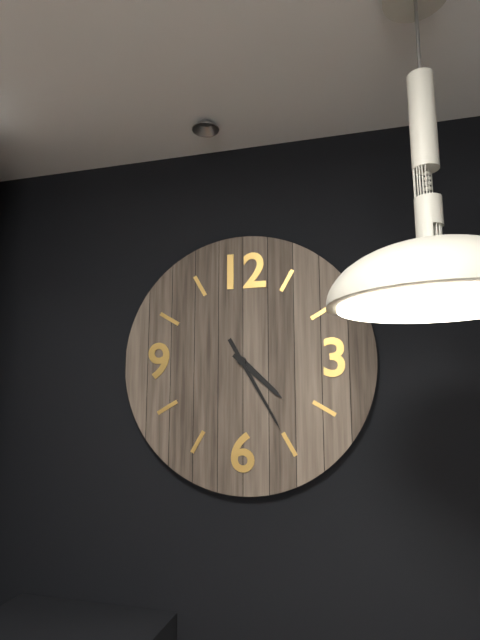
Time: h=4 m=25
